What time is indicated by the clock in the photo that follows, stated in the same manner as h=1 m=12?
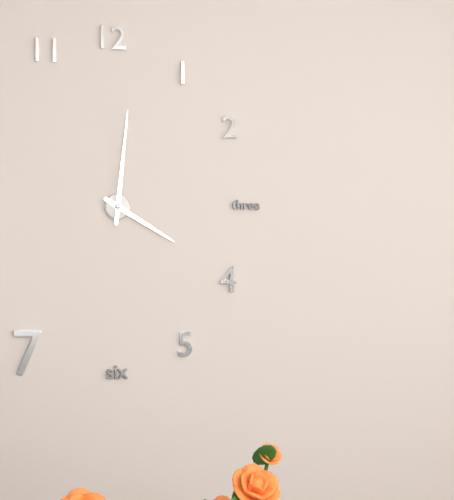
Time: h=4 m=1
